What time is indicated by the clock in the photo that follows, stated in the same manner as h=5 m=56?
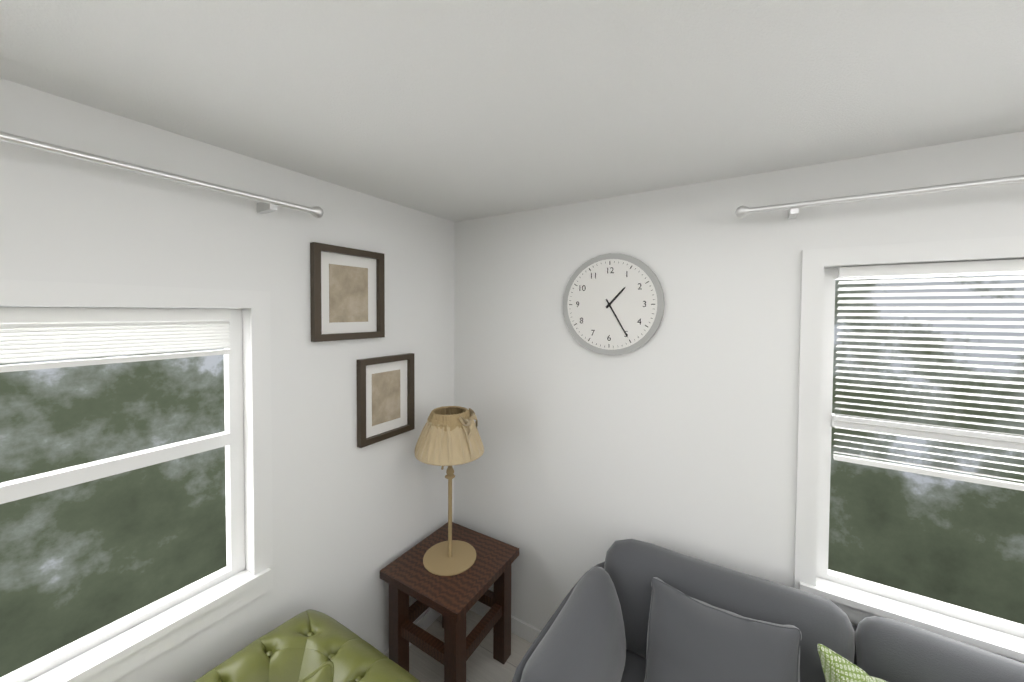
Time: h=1 m=25
